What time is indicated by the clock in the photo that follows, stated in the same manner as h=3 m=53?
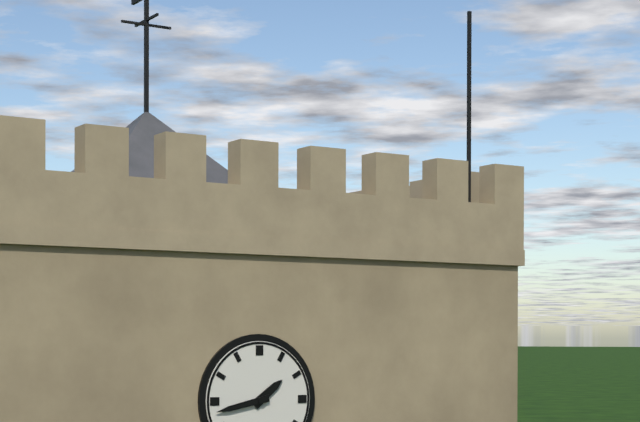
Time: h=1 m=43
